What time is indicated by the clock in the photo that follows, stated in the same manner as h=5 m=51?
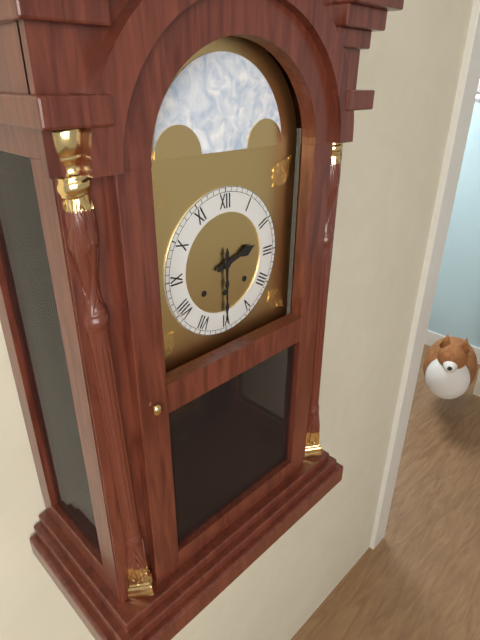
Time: h=2 m=30
